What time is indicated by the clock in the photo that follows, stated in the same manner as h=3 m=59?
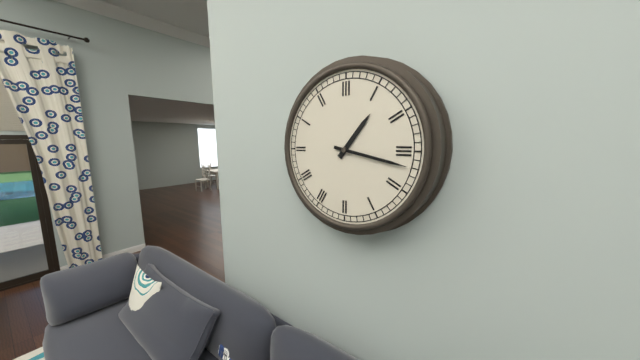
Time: h=1 m=17
